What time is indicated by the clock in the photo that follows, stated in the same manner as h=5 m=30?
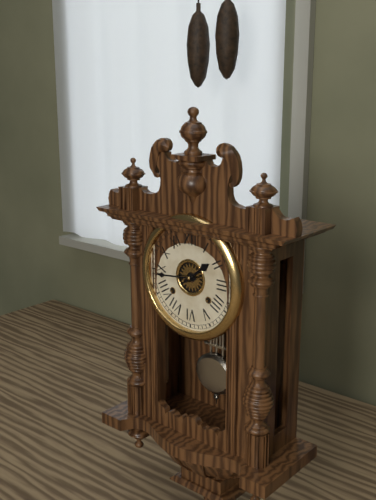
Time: h=1 m=44
